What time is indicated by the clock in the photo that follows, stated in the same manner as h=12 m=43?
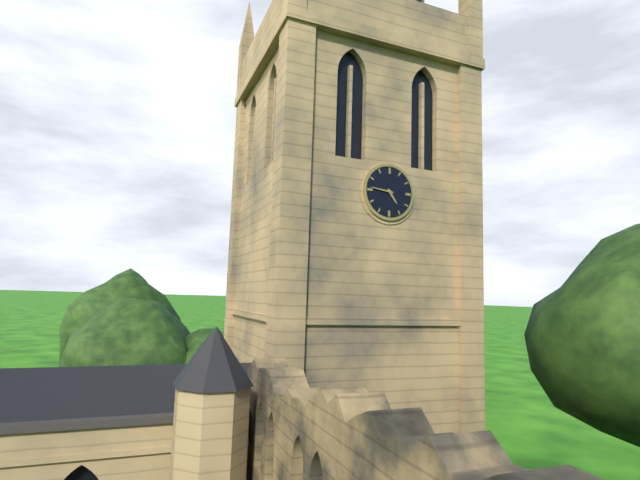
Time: h=4 m=46
